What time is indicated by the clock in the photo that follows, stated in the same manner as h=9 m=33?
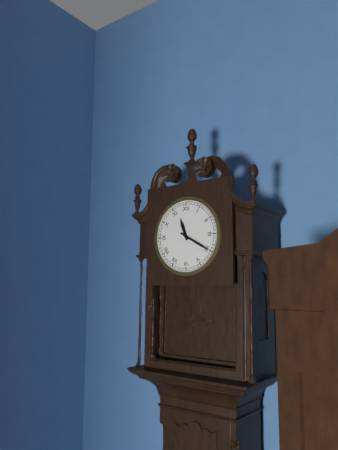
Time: h=11 m=20
